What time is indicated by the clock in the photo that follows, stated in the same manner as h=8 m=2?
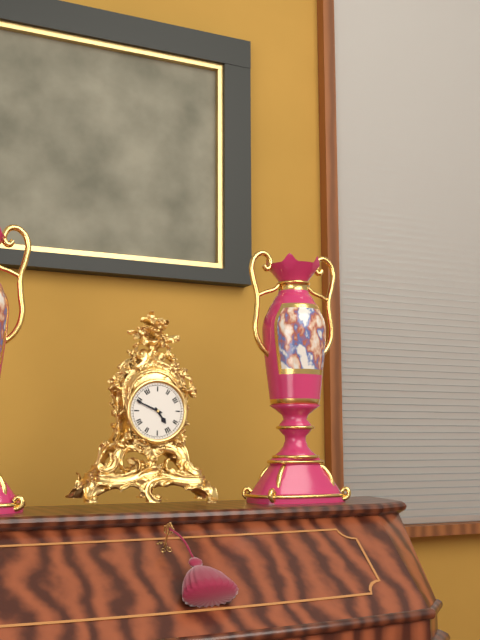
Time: h=4 m=49
